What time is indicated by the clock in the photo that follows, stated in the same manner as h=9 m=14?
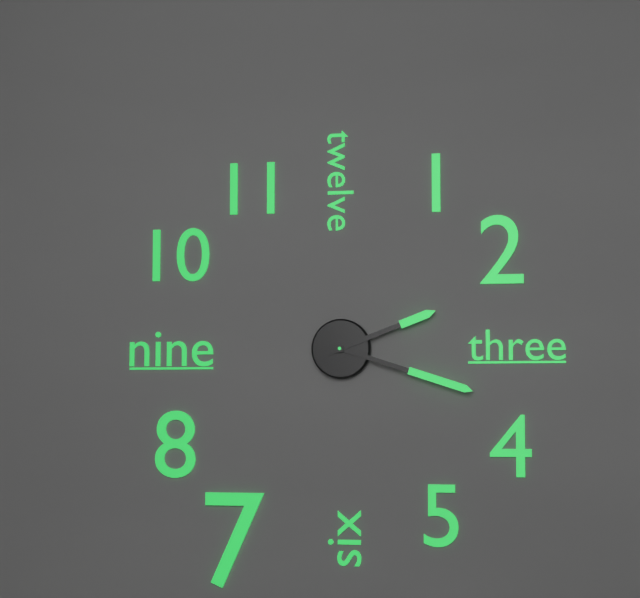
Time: h=2 m=18
